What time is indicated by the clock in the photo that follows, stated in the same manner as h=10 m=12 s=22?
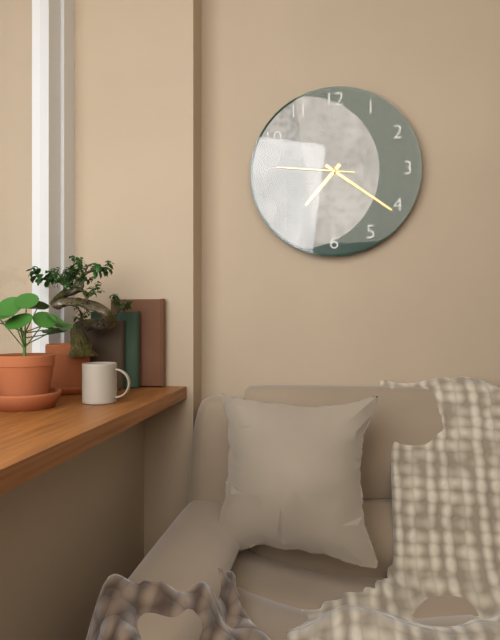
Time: h=7 m=21 s=46
